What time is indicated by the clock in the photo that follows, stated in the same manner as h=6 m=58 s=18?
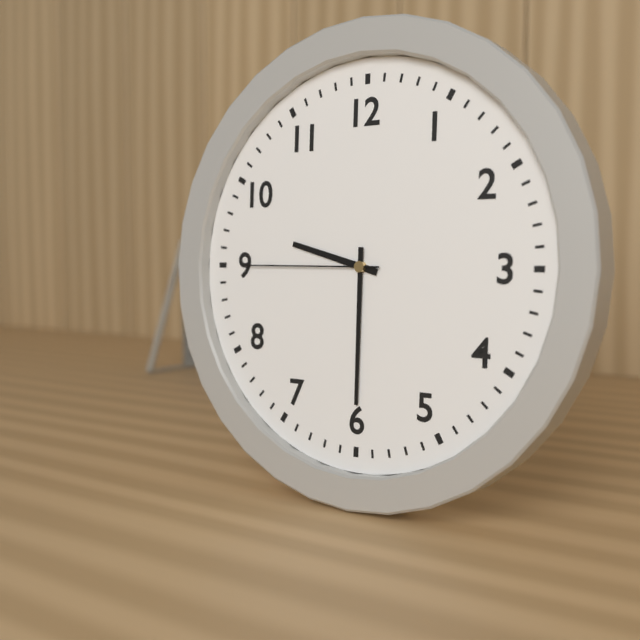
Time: h=9 m=30 s=45
